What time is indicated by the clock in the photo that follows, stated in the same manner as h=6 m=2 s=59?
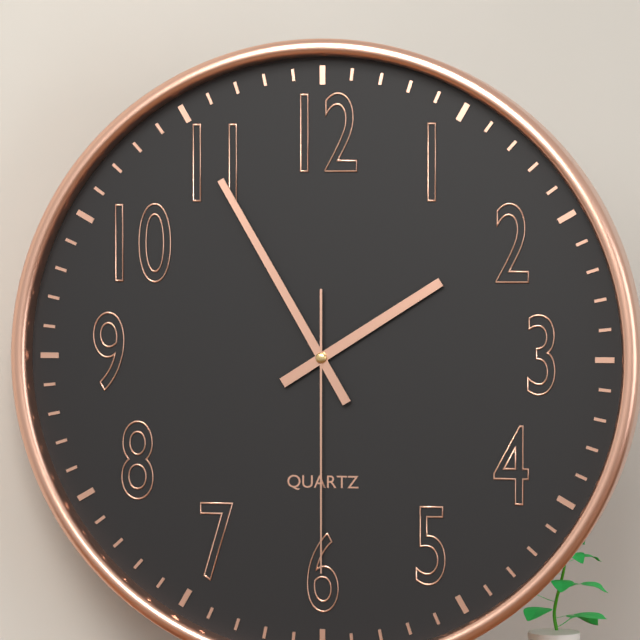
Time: h=1 m=55 s=30
